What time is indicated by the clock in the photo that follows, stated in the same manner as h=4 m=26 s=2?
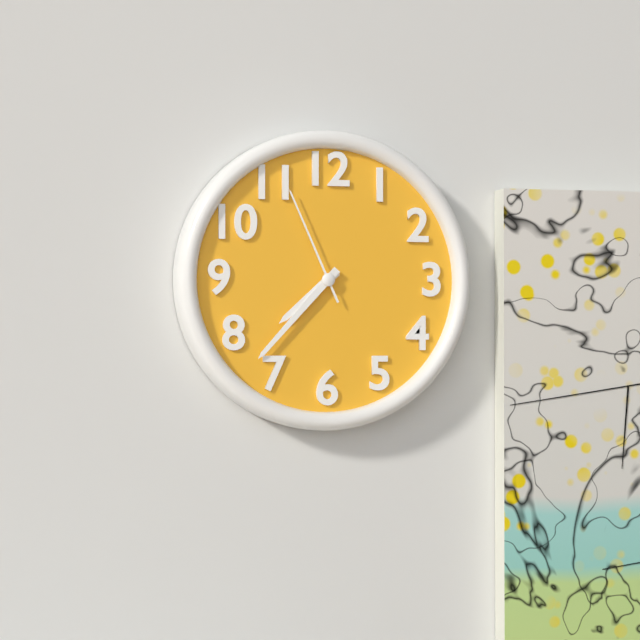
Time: h=7 m=37 s=56
